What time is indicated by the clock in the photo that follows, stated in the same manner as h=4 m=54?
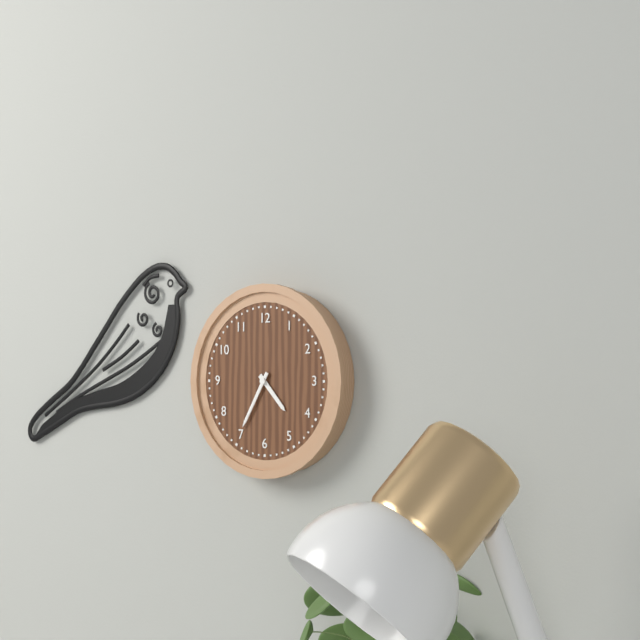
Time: h=4 m=35
